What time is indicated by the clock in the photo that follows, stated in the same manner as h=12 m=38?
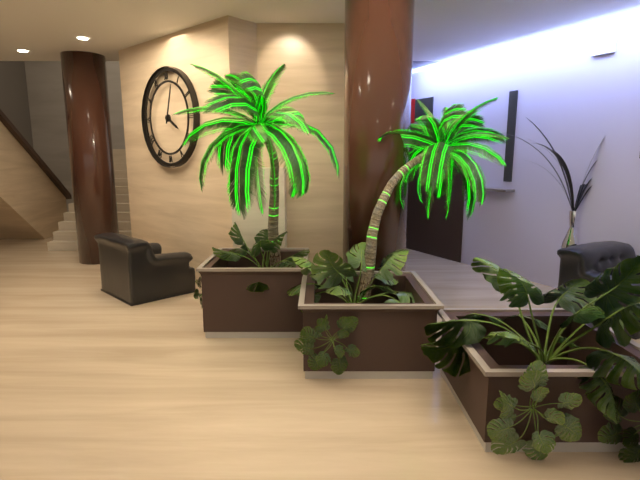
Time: h=4 m=3
